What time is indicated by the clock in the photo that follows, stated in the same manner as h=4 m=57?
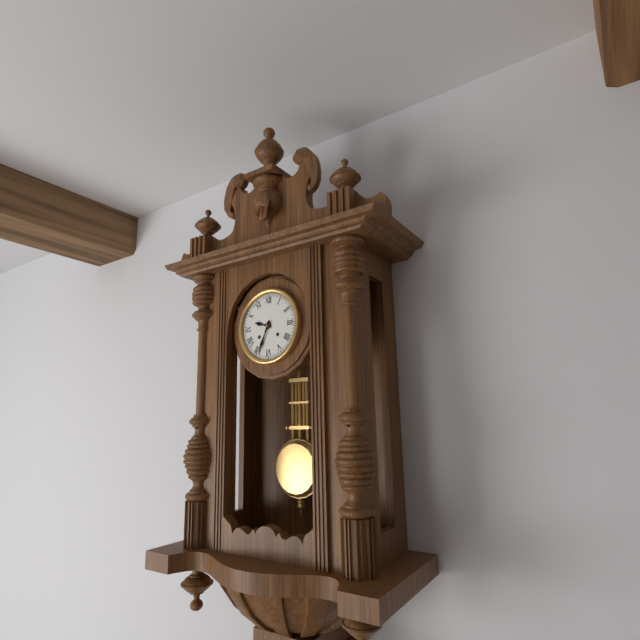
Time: h=9 m=34
